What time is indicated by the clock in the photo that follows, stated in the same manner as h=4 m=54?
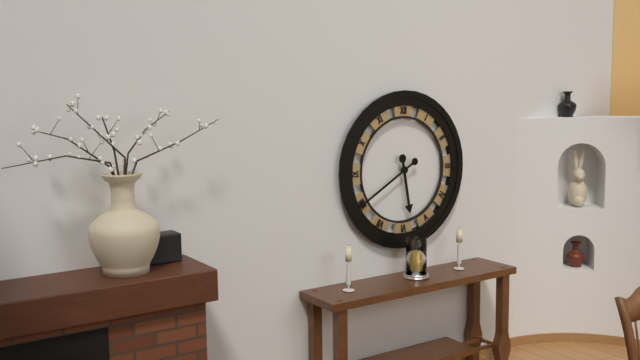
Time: h=5 m=40
